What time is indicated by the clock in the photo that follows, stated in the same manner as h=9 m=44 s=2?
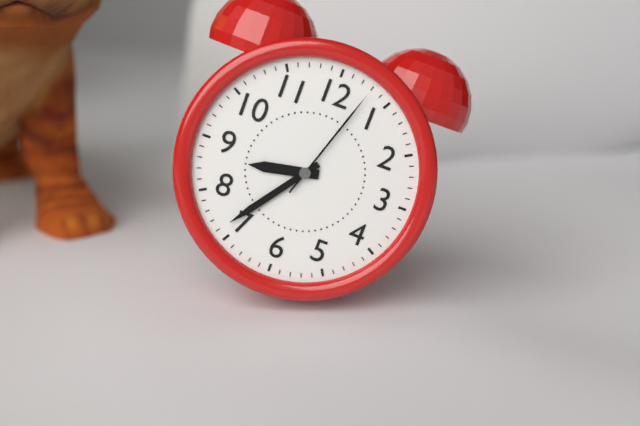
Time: h=8 m=36 s=3
